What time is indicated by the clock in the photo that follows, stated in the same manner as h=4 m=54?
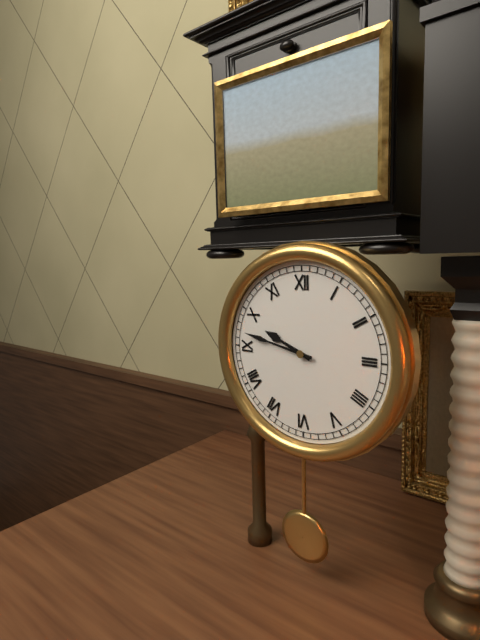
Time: h=9 m=47
